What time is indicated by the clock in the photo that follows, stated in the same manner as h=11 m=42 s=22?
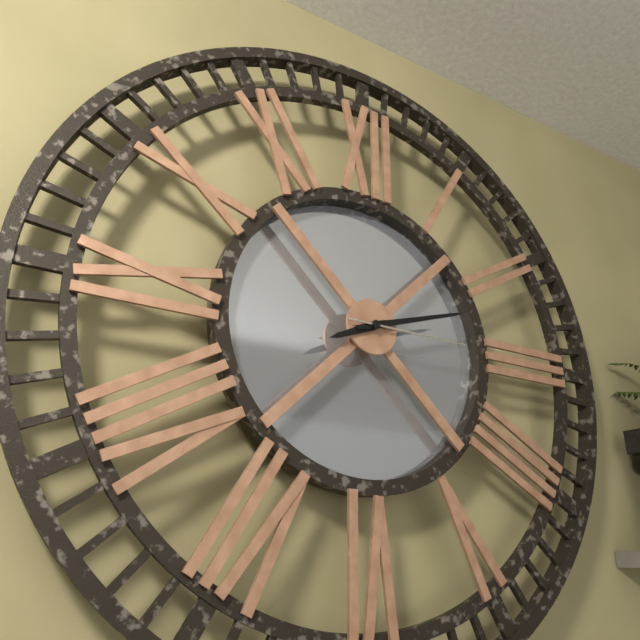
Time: h=8 m=12 s=15
